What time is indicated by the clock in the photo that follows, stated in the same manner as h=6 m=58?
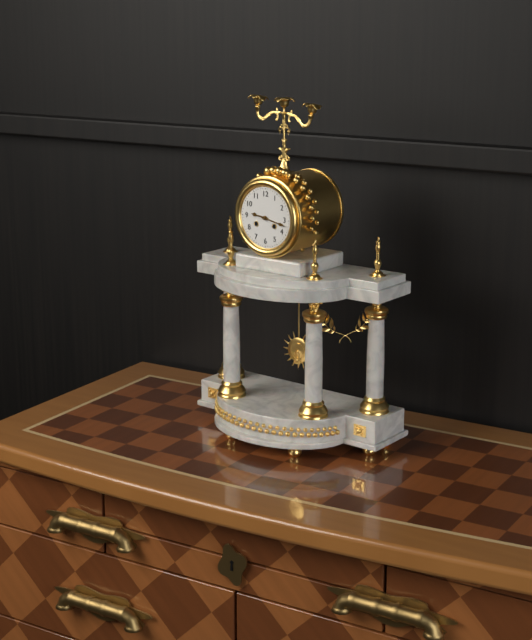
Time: h=9 m=17
